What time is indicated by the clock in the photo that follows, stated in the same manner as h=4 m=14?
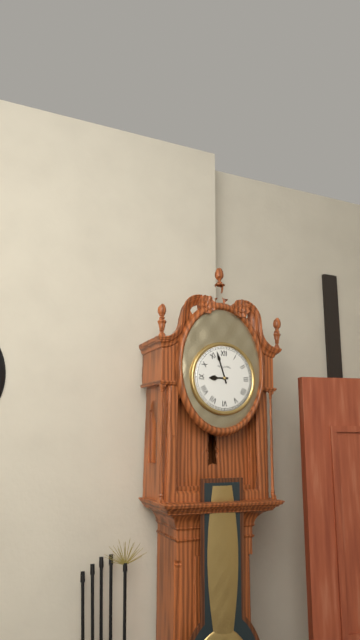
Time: h=8 m=57
